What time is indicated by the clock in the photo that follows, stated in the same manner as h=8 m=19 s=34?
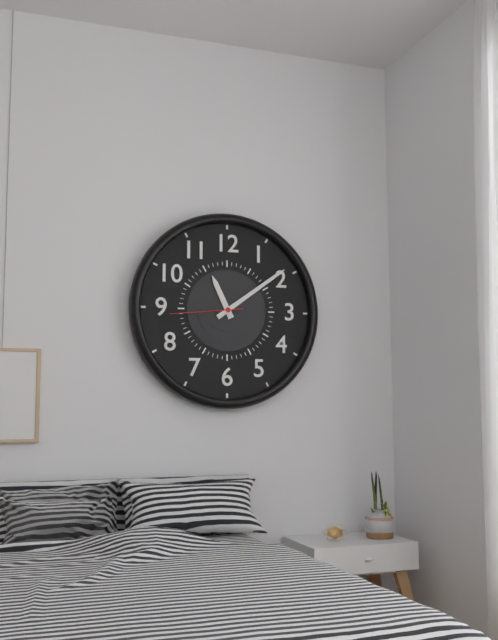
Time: h=11 m=9 s=44
